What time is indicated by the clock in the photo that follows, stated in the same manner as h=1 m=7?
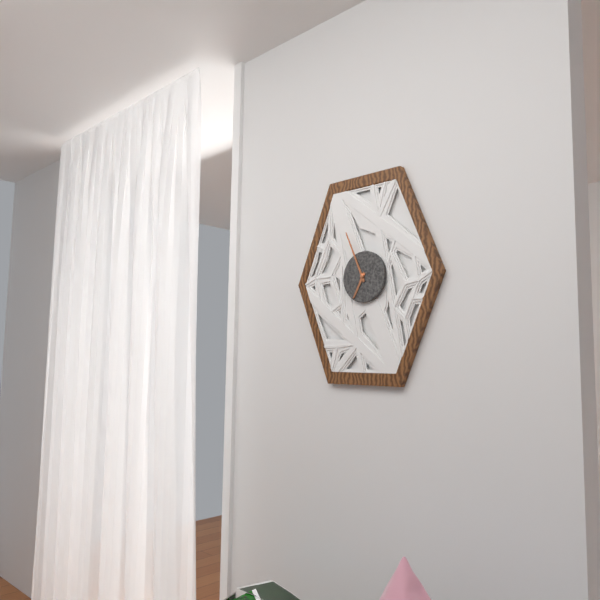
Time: h=6 m=56
